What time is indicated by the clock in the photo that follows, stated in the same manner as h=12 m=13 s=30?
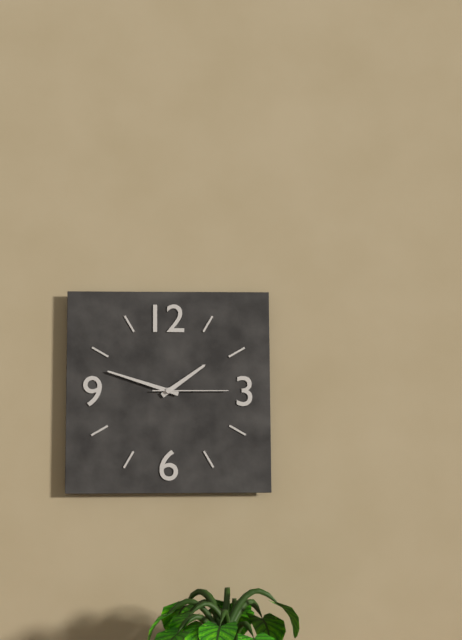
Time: h=1 m=48 s=15
